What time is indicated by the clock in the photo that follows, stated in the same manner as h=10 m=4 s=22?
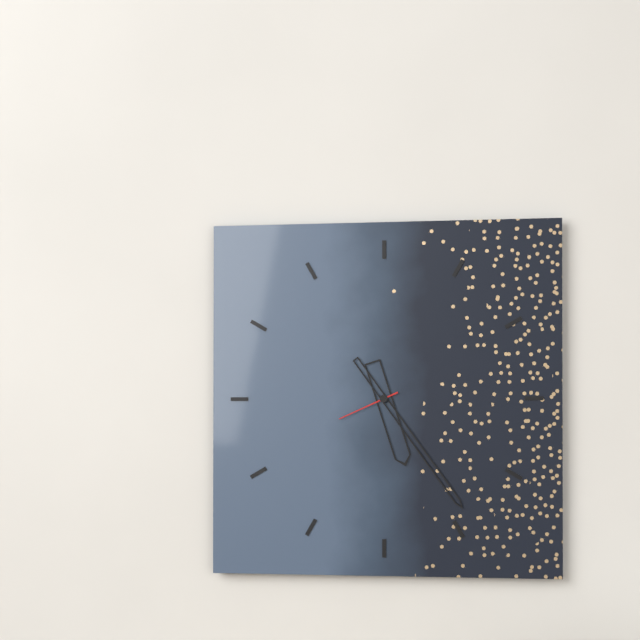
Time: h=5 m=24 s=41
